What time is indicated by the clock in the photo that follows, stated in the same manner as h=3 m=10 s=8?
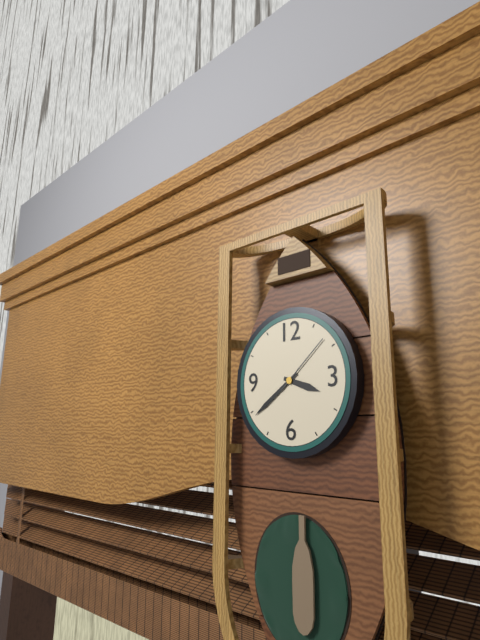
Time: h=3 m=39 s=8
